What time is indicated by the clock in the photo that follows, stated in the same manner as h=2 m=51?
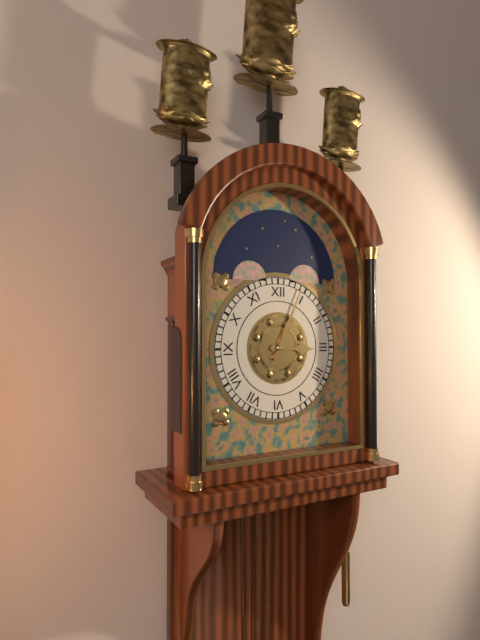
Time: h=3 m=4
